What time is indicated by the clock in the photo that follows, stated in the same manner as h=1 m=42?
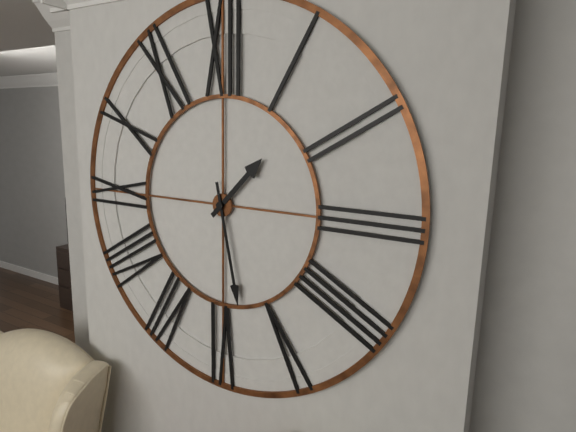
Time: h=1 m=28
